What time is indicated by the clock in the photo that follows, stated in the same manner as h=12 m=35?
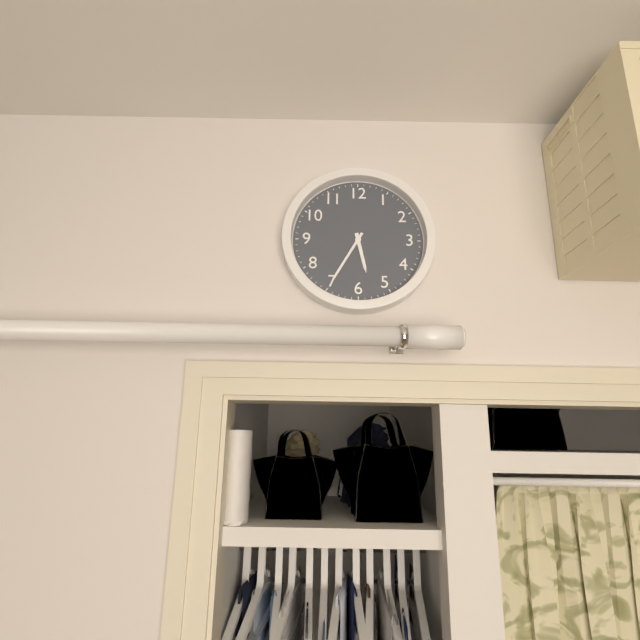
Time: h=5 m=35
